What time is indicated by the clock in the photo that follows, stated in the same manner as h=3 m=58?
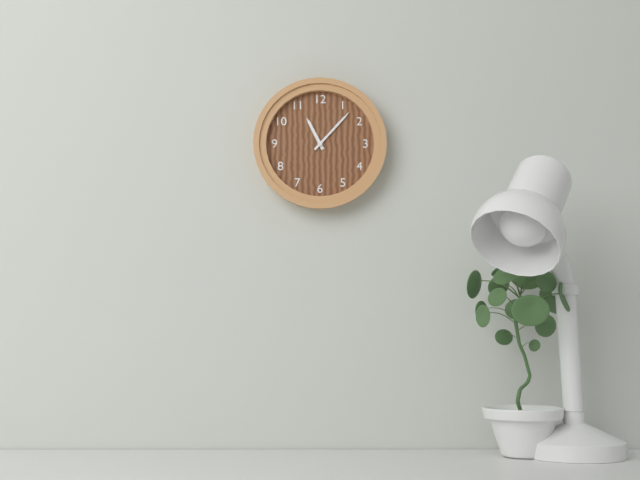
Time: h=11 m=7
